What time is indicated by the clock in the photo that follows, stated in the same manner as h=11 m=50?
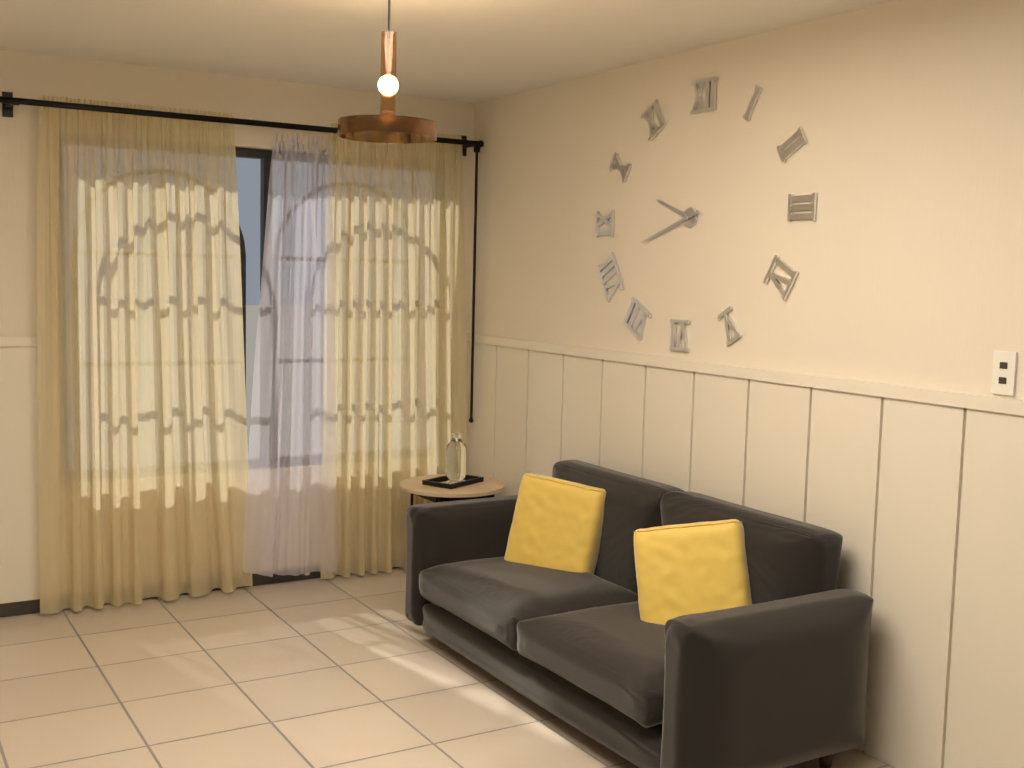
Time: h=9 m=42
